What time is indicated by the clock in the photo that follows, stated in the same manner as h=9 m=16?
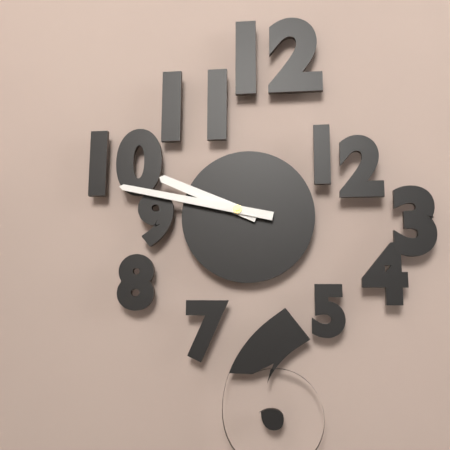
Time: h=9 m=47
